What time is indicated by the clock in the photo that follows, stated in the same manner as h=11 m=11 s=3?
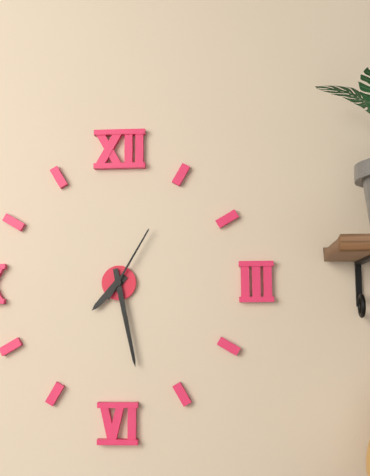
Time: h=7 m=28 s=5
